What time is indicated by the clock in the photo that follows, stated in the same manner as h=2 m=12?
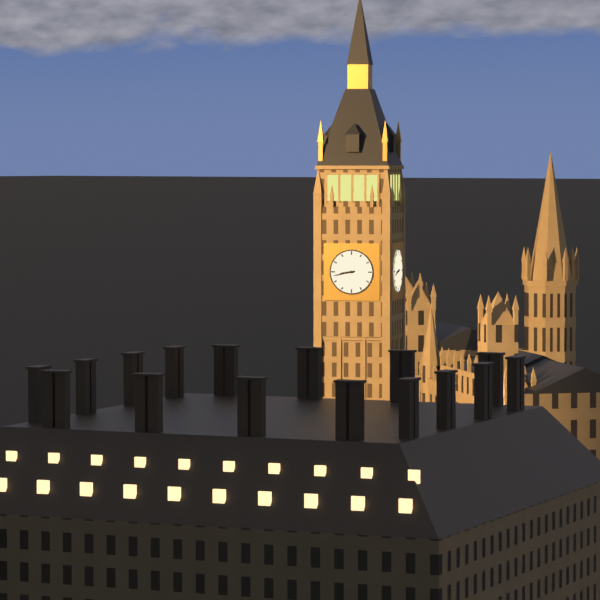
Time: h=8 m=43
